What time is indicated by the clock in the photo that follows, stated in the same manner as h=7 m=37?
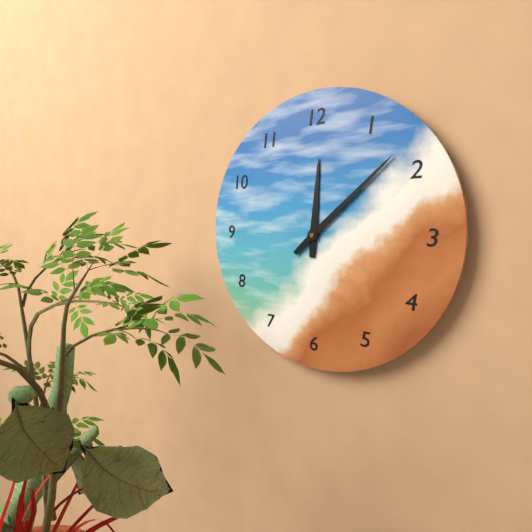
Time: h=12 m=8
